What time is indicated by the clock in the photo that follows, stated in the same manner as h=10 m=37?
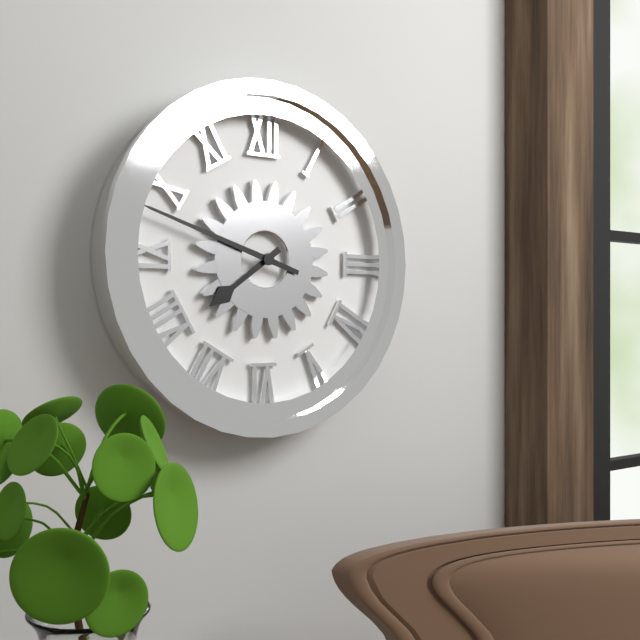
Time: h=7 m=48
